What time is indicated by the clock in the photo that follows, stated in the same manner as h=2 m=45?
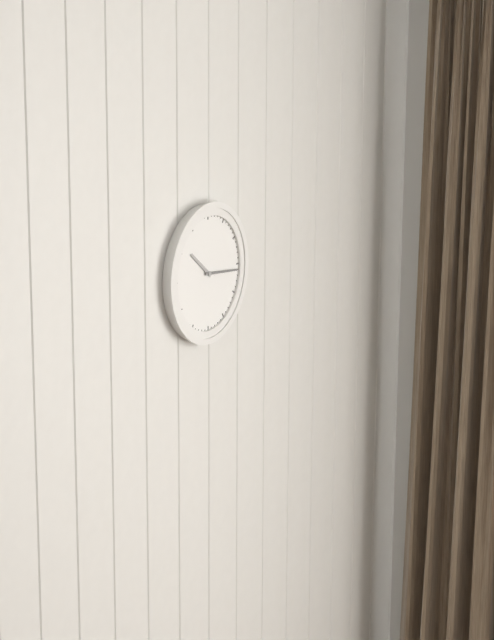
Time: h=10 m=16
